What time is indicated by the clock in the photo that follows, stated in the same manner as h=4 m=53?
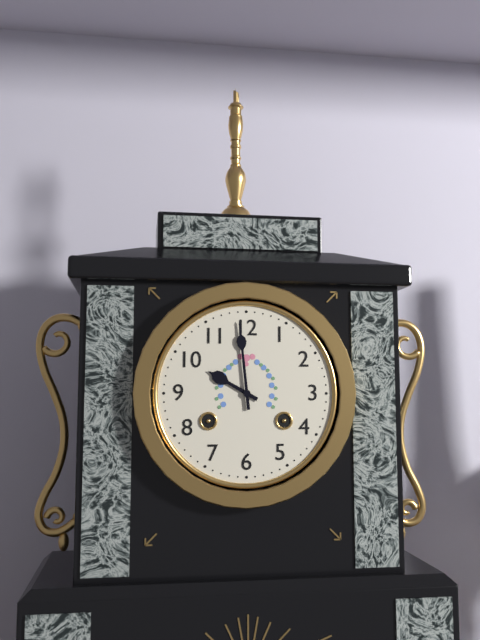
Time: h=9 m=59
